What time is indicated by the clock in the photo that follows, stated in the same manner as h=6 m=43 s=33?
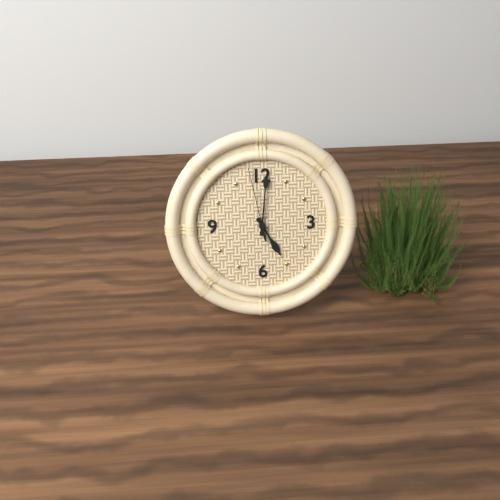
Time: h=5 m=1 s=58
